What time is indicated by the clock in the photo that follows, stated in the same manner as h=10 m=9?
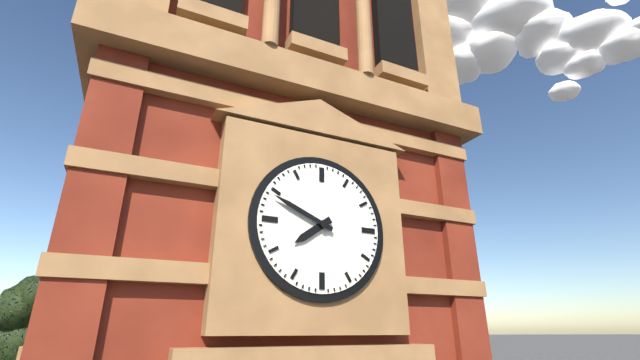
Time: h=7 m=49
